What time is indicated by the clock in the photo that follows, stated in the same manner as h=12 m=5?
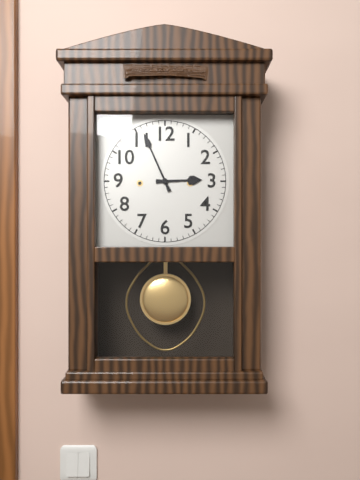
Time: h=2 m=56
